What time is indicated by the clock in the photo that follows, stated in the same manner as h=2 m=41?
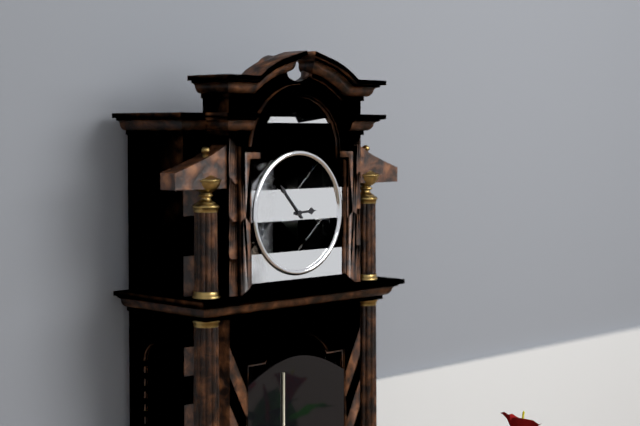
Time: h=2 m=53
